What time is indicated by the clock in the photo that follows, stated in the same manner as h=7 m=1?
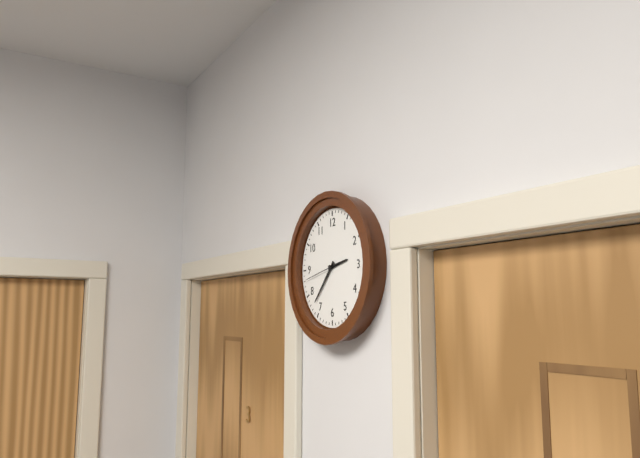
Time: h=2 m=37
